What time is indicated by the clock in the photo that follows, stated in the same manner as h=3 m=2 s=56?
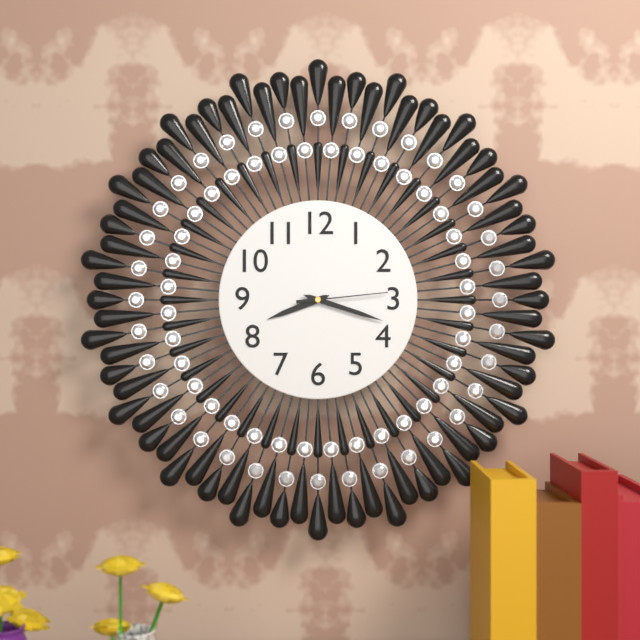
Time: h=8 m=18 s=14
